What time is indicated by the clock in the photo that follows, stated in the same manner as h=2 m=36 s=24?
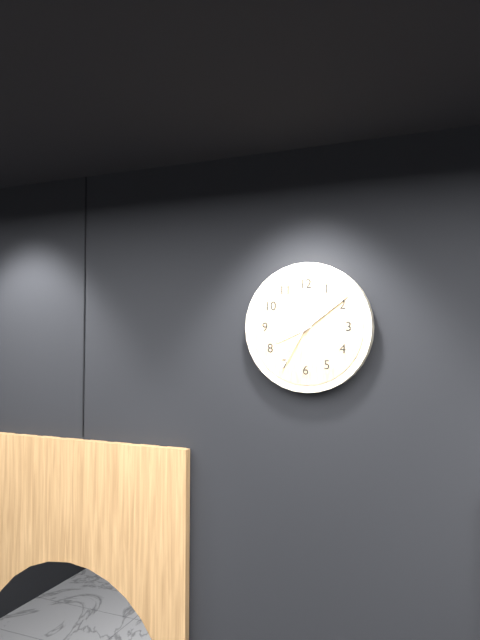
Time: h=8 m=9 s=35
